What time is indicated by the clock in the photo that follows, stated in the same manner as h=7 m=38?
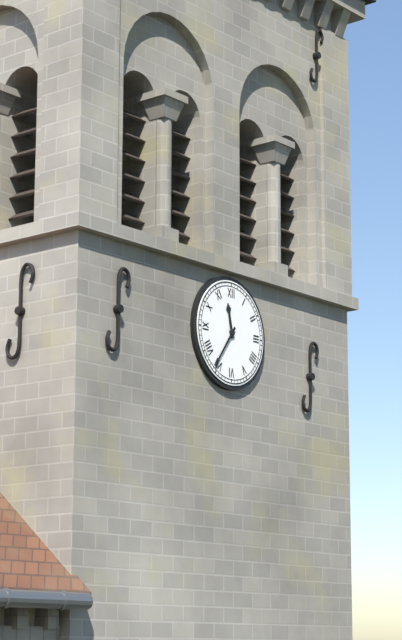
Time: h=11 m=36
